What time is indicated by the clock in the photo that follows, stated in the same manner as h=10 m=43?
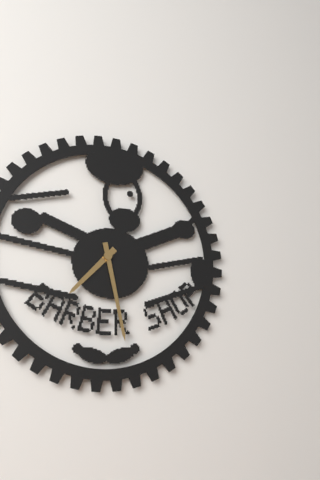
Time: h=7 m=28
